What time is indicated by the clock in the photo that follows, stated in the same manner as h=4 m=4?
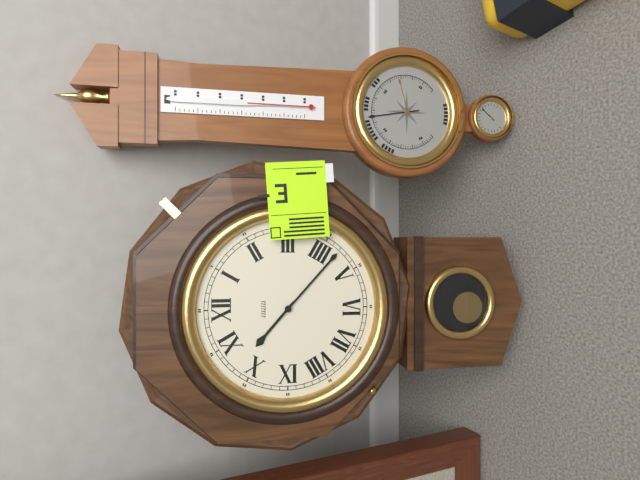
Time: h=10 m=22
